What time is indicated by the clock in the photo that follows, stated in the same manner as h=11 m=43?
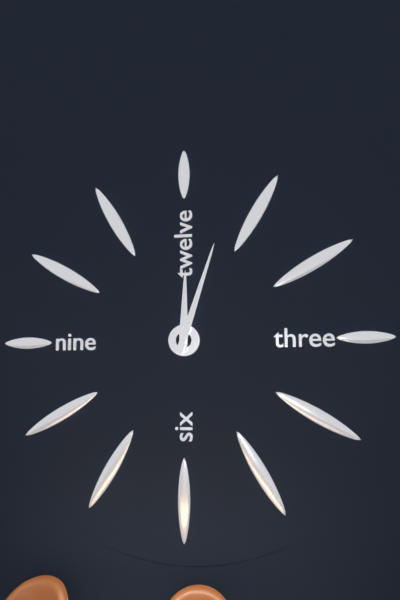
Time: h=12 m=3
